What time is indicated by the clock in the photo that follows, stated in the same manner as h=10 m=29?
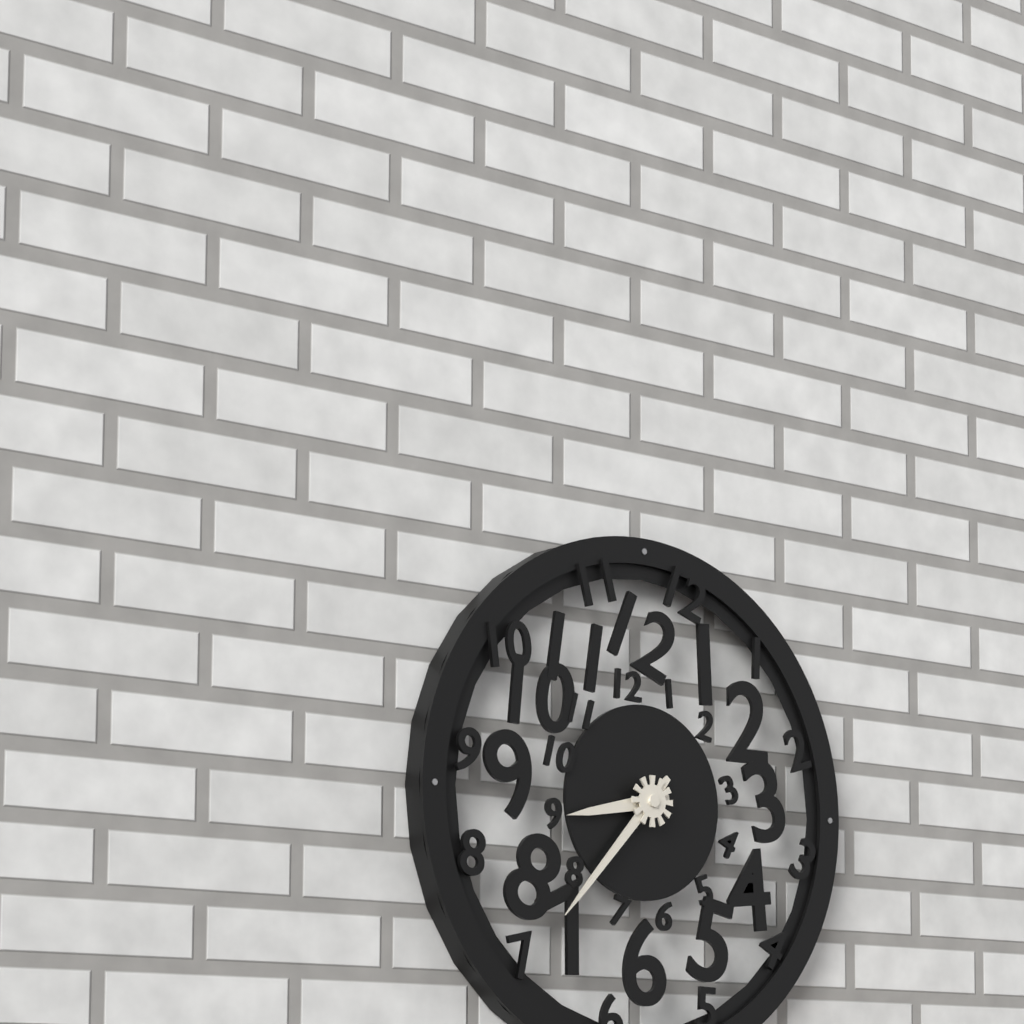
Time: h=8 m=37
